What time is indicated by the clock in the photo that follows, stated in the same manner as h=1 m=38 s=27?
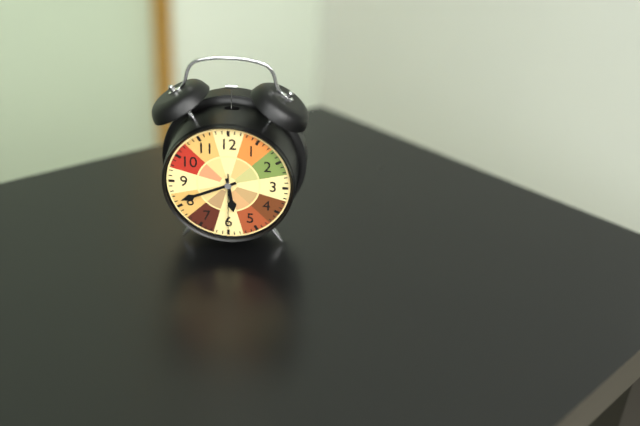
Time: h=5 m=41 s=30
